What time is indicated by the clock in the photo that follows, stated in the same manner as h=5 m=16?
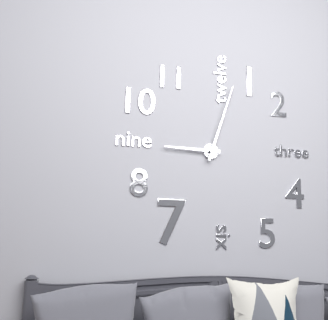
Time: h=9 m=3
